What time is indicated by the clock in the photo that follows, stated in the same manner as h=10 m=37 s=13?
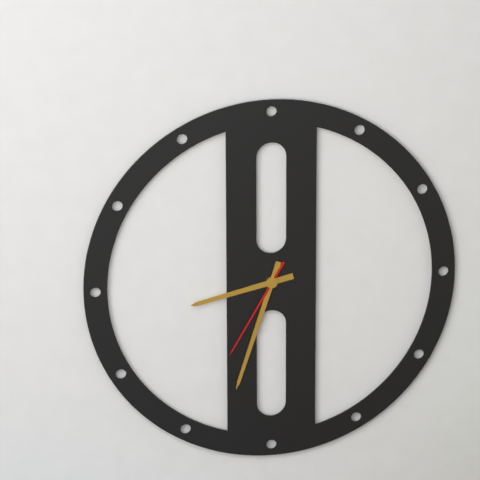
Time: h=8 m=33 s=35
